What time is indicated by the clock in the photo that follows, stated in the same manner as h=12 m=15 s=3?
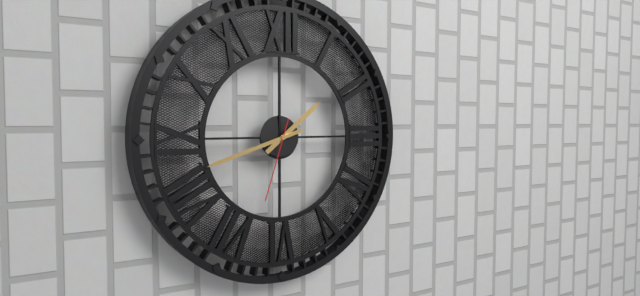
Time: h=1 m=42 s=33
